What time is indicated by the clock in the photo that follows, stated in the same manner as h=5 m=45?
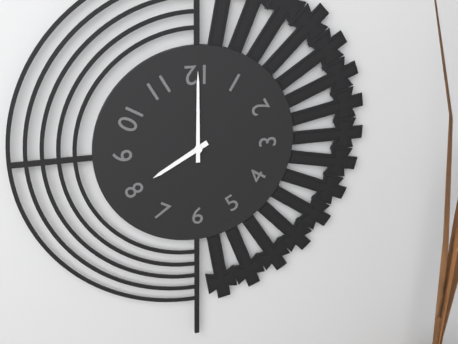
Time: h=8 m=0
